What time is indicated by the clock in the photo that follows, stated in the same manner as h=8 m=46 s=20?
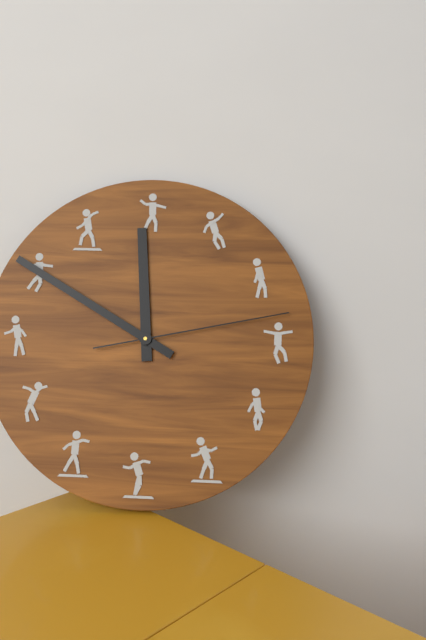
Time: h=11 m=50 s=13
